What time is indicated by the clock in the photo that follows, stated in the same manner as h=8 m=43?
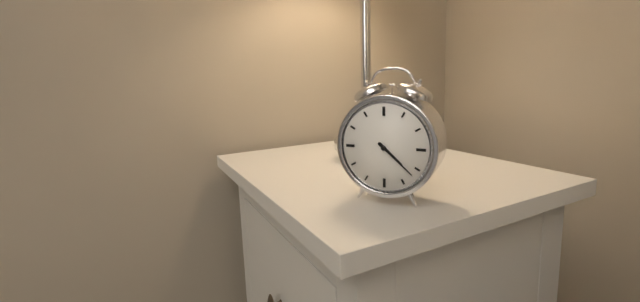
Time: h=4 m=22
